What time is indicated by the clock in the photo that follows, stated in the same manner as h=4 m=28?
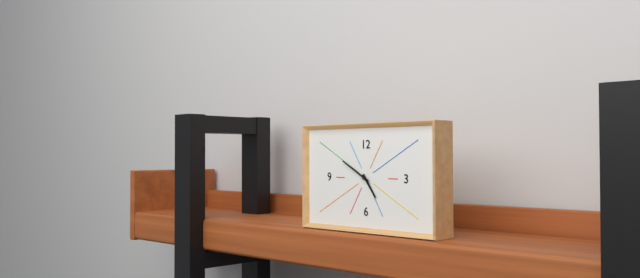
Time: h=4 m=50
